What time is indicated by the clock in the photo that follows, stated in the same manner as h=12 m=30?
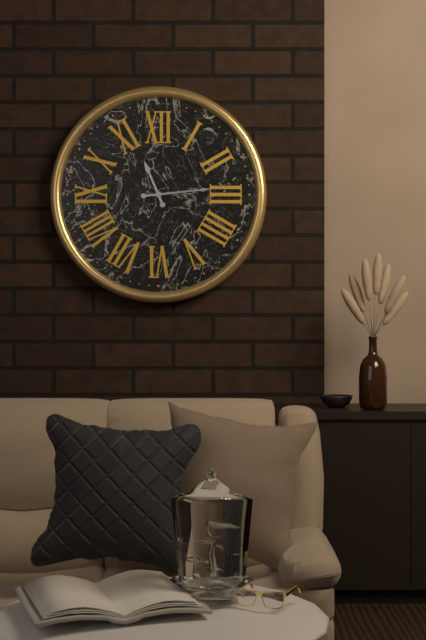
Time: h=11 m=14
